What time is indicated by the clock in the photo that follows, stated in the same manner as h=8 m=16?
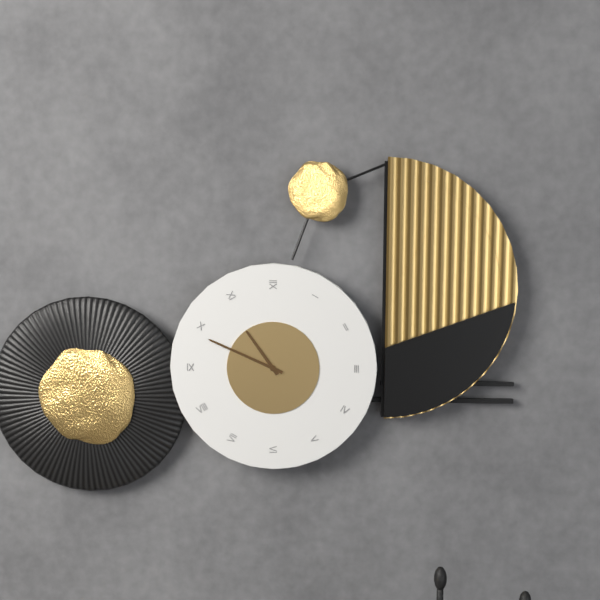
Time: h=10 m=49
